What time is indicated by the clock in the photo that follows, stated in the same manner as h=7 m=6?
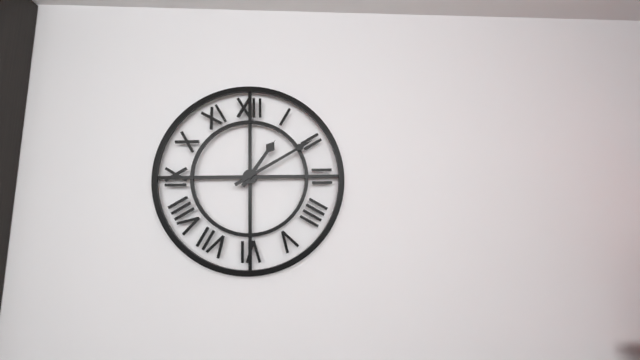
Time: h=1 m=10
